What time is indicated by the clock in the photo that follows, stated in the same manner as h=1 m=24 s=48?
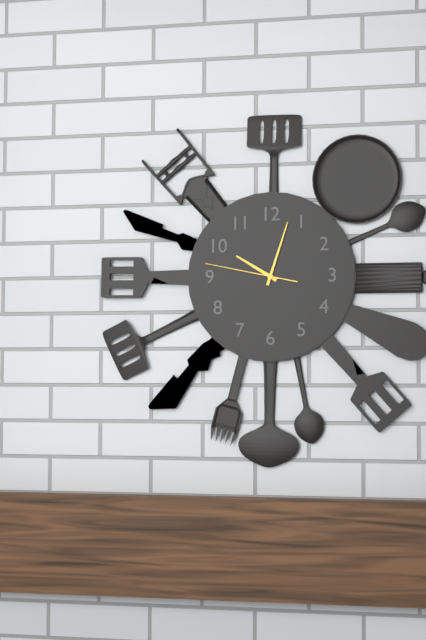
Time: h=10 m=3 s=47
